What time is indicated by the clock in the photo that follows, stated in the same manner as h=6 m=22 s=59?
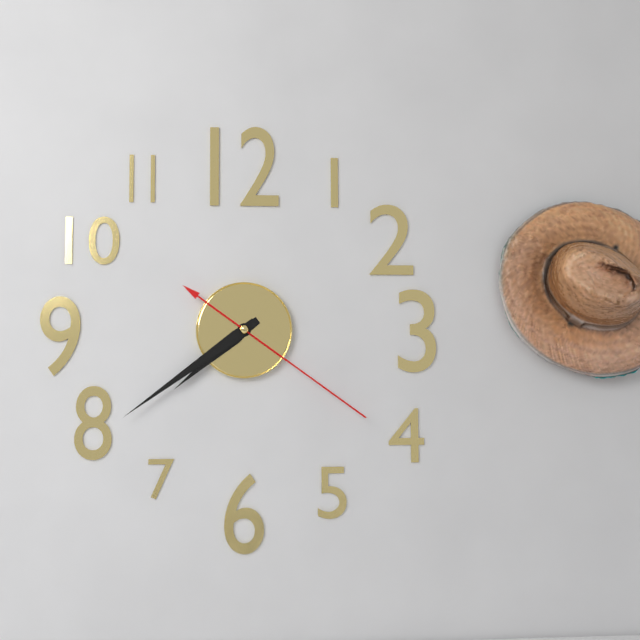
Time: h=7 m=39 s=21
